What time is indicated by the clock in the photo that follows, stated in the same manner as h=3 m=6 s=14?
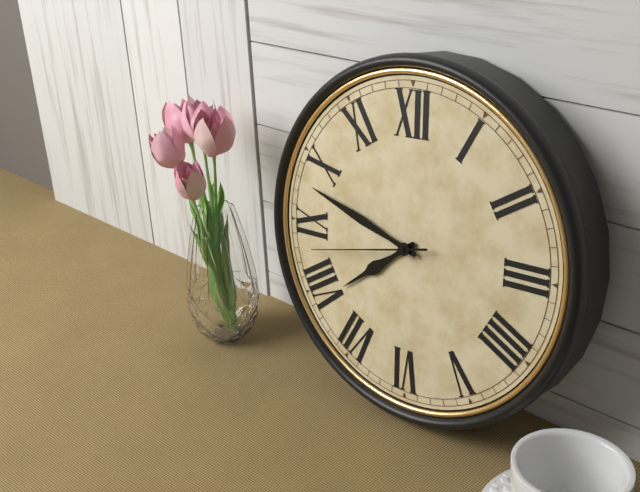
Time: h=7 m=48 s=43
